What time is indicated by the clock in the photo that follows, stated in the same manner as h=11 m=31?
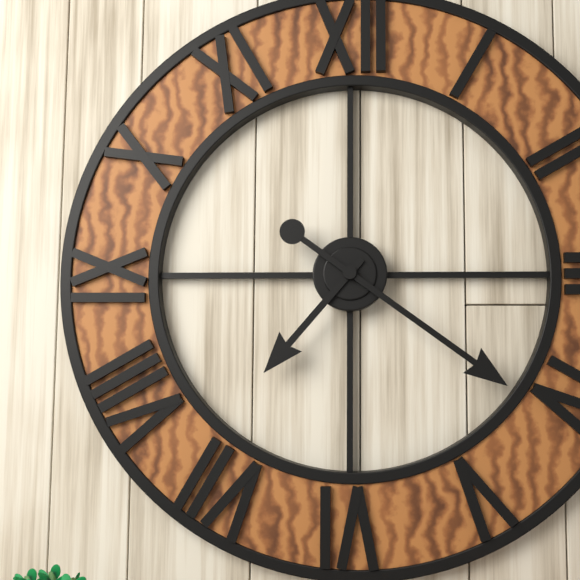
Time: h=7 m=21
